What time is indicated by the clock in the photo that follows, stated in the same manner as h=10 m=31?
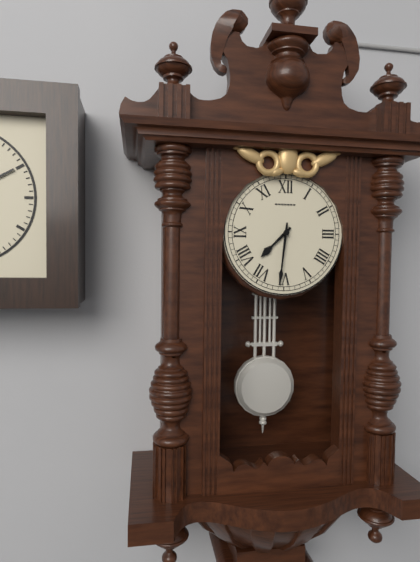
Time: h=7 m=31
